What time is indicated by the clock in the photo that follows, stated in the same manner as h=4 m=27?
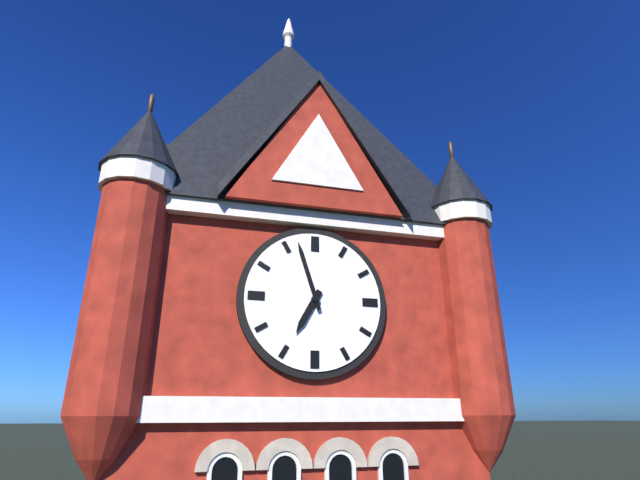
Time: h=6 m=57
